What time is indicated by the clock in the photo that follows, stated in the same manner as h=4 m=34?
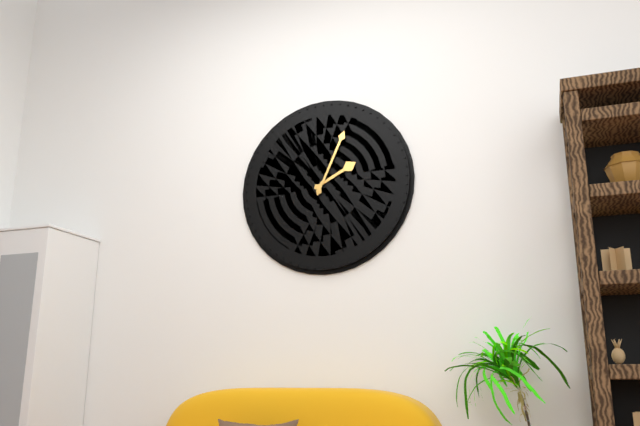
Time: h=2 m=4
